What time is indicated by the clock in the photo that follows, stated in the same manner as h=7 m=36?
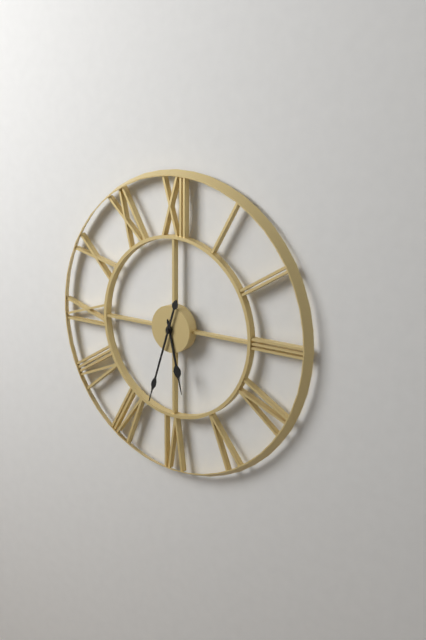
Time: h=5 m=33
